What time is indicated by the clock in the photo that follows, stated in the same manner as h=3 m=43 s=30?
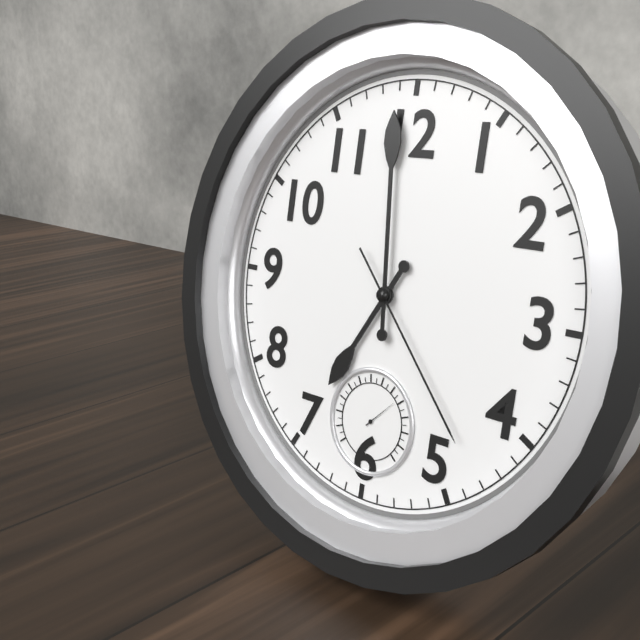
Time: h=6 m=59 s=23
